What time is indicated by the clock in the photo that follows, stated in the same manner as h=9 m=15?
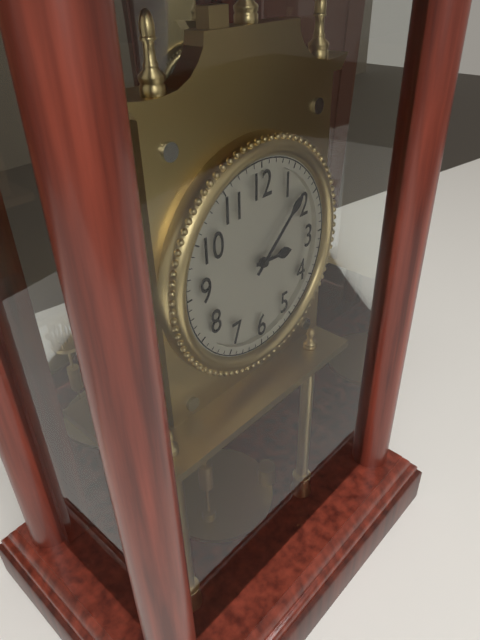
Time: h=3 m=8
